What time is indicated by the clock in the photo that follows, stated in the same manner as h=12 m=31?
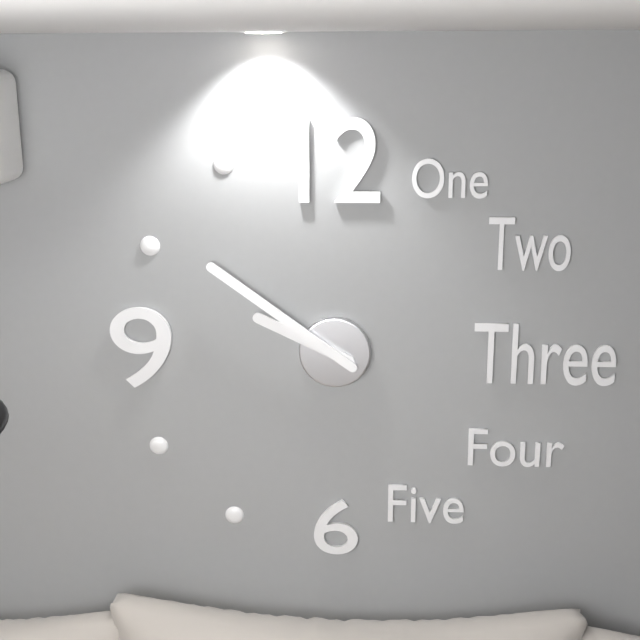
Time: h=9 m=51
